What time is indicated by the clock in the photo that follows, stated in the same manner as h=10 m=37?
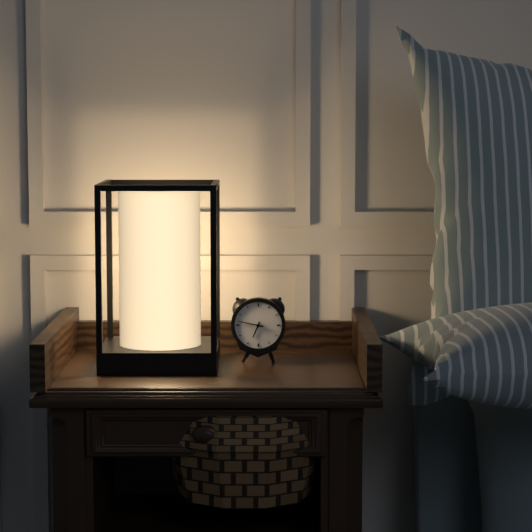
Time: h=6 m=47
